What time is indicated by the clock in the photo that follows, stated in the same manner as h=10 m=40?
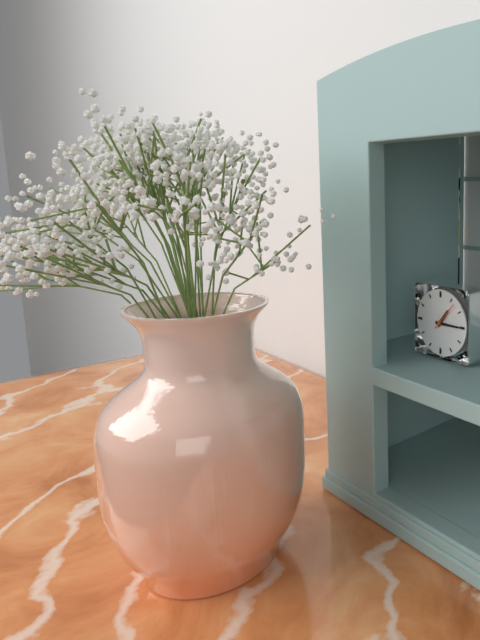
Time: h=1 m=15
